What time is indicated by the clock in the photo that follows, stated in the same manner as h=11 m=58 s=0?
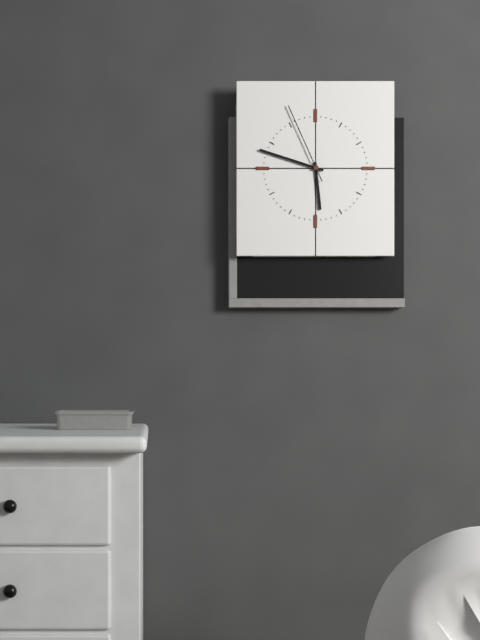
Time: h=5 m=48 s=56
